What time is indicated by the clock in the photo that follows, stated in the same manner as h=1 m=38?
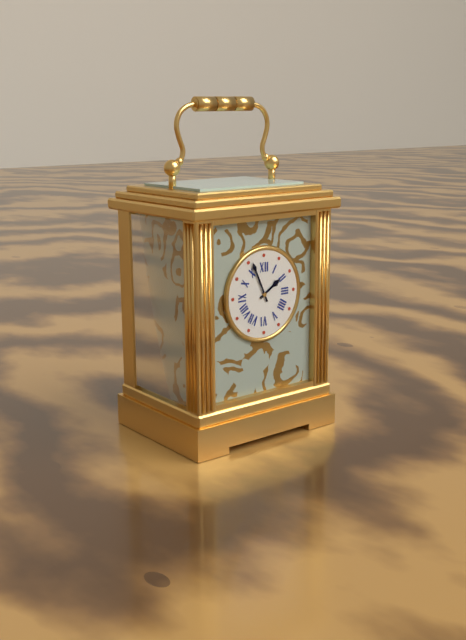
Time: h=1 m=56
